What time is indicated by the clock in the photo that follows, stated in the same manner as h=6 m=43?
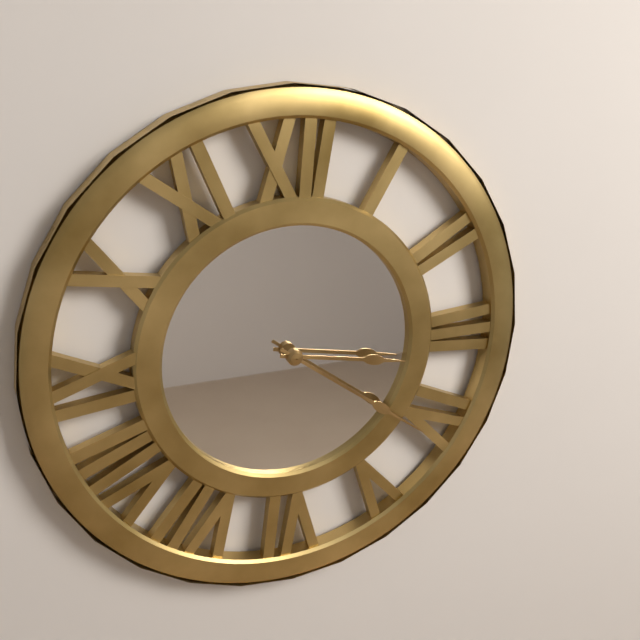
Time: h=3 m=21
